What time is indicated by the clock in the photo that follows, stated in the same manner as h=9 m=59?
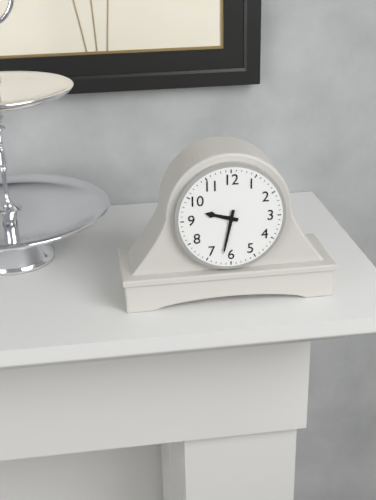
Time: h=9 m=32
